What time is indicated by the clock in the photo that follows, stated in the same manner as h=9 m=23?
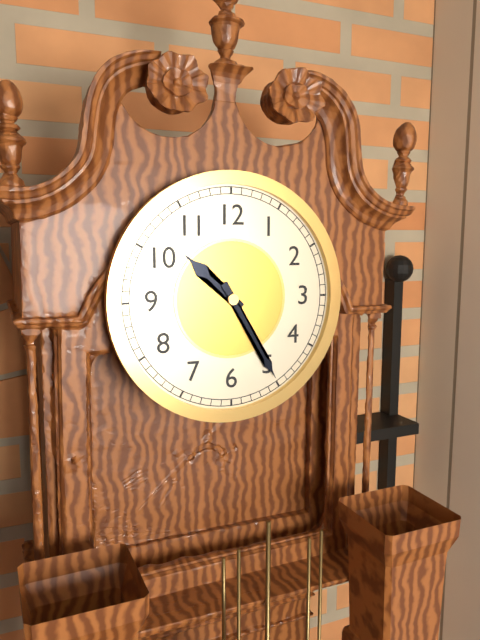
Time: h=10 m=25
